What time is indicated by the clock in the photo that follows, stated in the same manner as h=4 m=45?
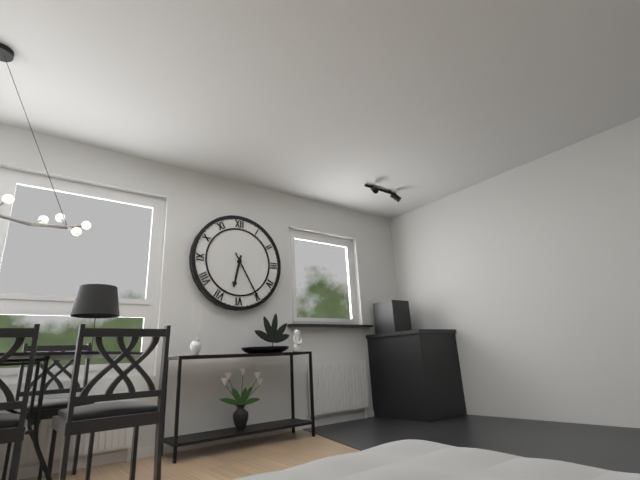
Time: h=6 m=25
